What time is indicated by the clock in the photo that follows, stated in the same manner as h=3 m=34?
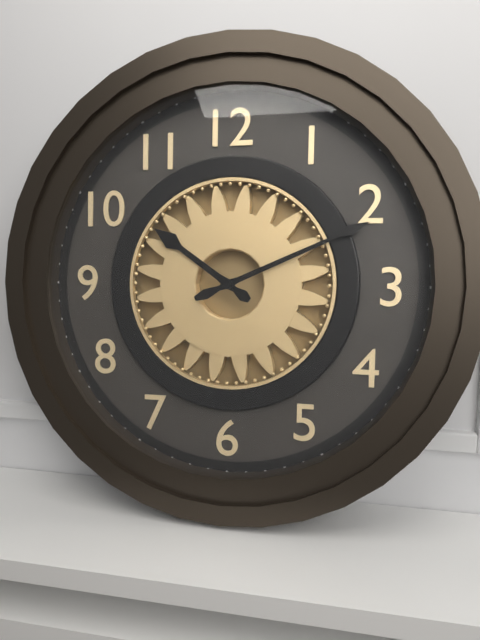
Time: h=10 m=11
